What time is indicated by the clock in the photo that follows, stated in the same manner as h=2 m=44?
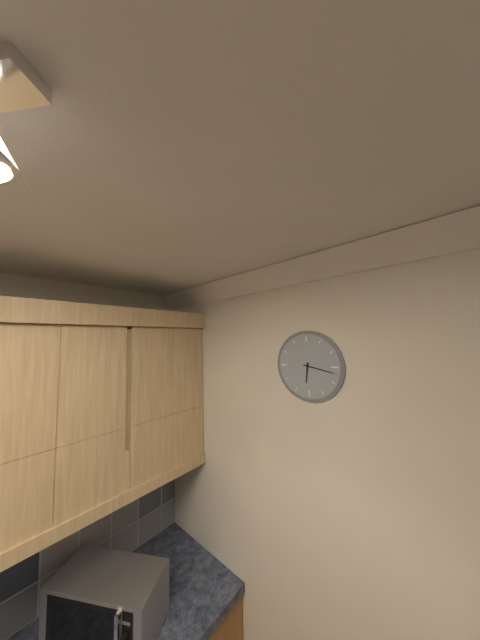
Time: h=6 m=17
